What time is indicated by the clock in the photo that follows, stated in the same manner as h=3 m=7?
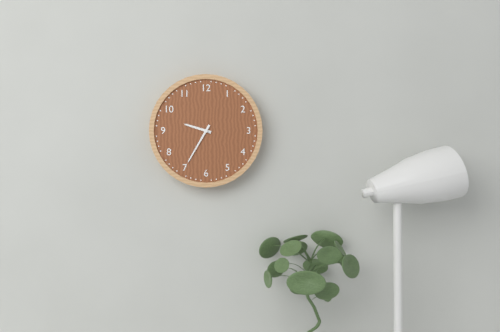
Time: h=9 m=35
